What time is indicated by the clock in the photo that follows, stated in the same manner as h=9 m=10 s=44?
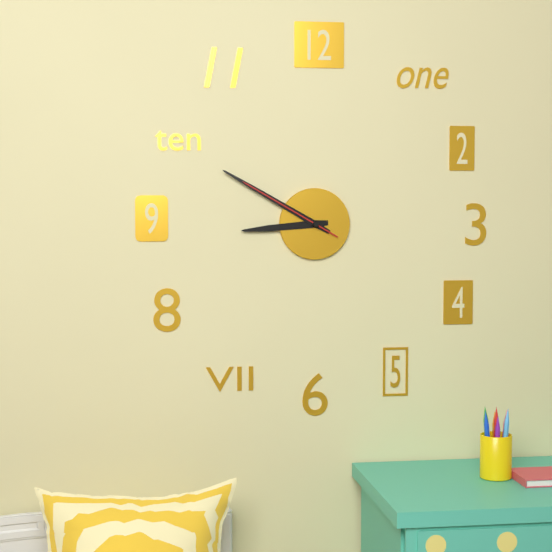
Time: h=8 m=50 s=50
